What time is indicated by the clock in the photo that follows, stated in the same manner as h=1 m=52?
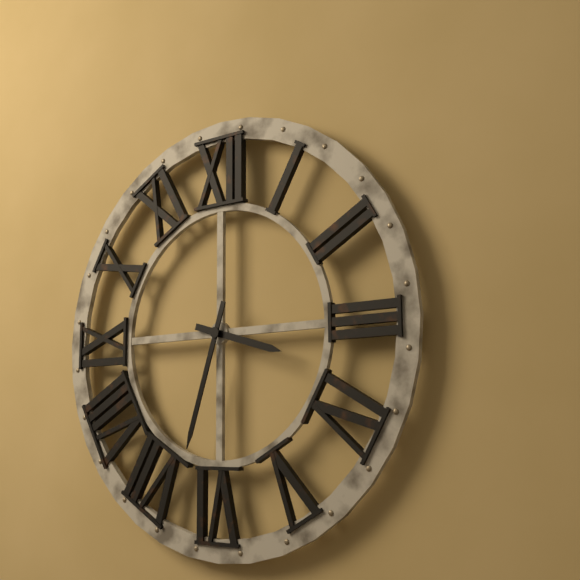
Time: h=3 m=33
